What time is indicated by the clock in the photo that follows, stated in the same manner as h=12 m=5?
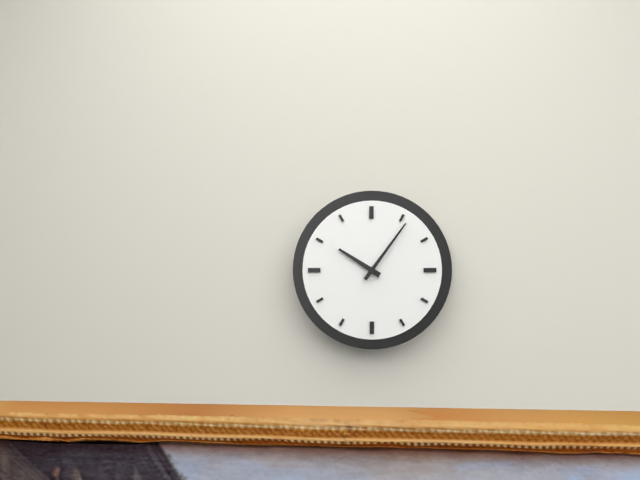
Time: h=10 m=6
